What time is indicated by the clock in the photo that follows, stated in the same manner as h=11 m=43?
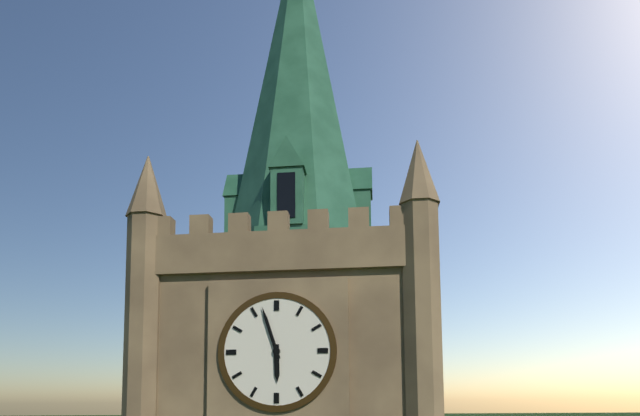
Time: h=5 m=57
